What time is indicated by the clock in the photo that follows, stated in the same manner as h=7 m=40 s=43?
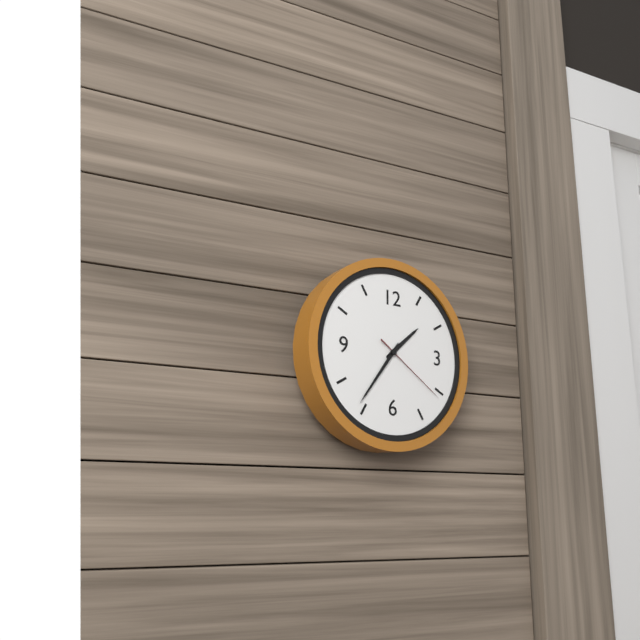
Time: h=1 m=36 s=21
